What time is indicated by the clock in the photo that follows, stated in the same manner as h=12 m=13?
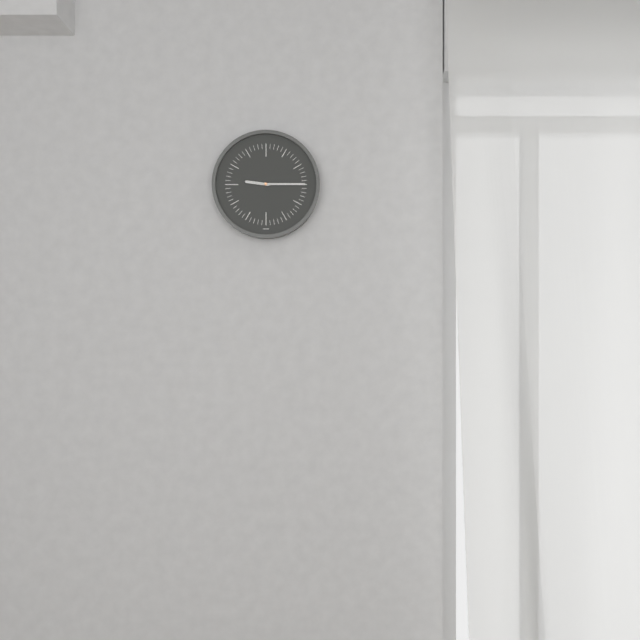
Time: h=9 m=15
